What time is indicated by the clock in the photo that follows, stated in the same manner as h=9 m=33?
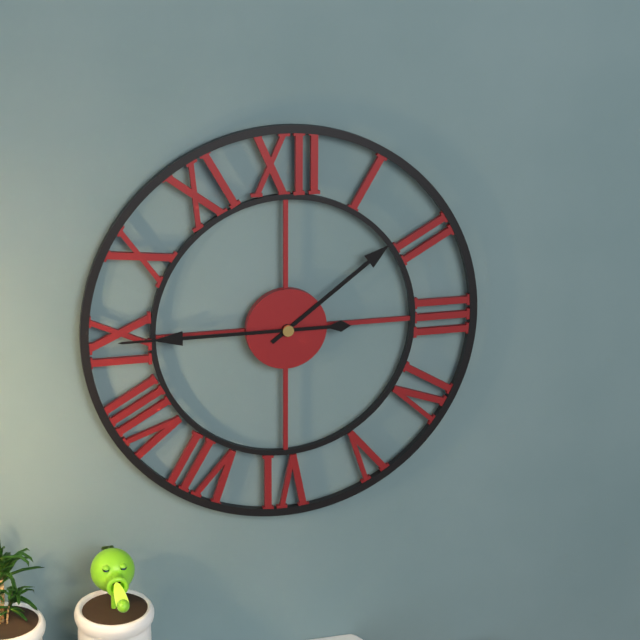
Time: h=1 m=45
